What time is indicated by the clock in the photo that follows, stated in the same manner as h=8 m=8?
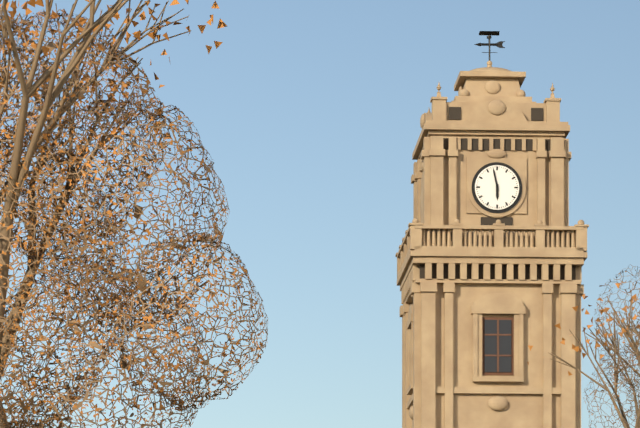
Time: h=5 m=58
